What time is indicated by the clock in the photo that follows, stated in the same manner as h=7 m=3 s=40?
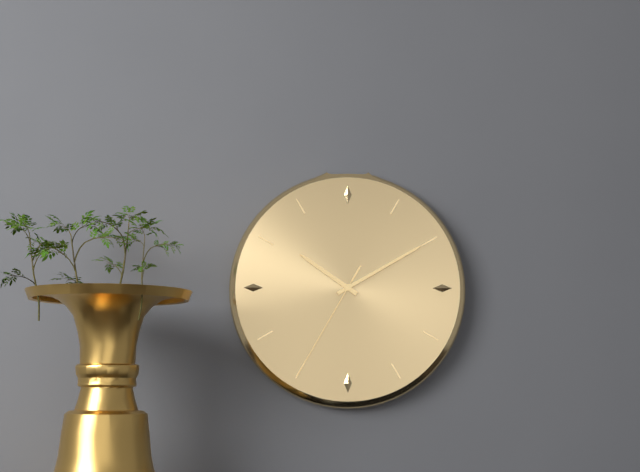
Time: h=10 m=10 s=35
